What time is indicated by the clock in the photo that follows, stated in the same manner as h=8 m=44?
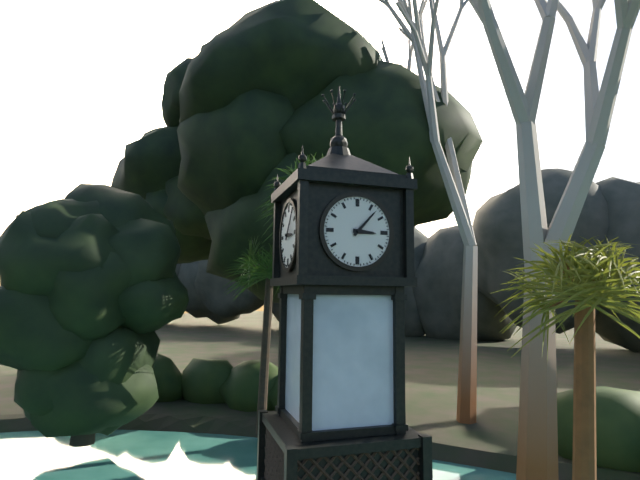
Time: h=3 m=7
